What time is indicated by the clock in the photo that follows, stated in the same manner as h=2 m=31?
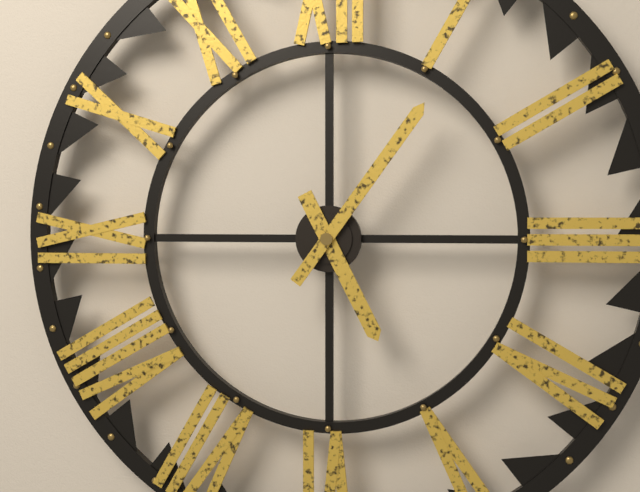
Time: h=5 m=6
